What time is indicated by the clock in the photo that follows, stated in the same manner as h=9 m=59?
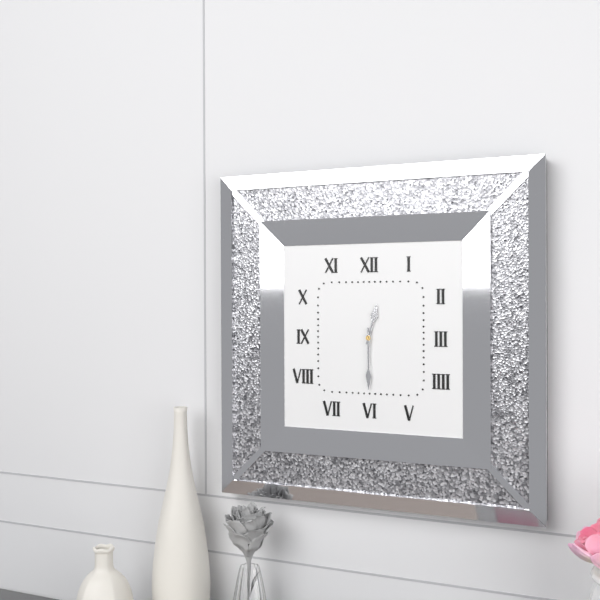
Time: h=12 m=30
